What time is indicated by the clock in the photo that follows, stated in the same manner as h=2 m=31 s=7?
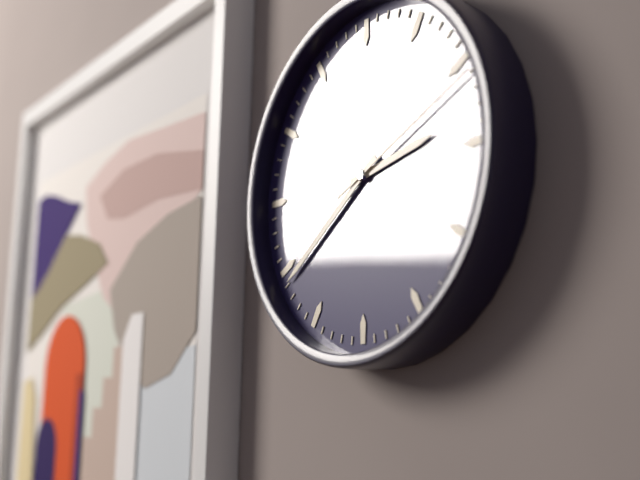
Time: h=2 m=39 s=11
